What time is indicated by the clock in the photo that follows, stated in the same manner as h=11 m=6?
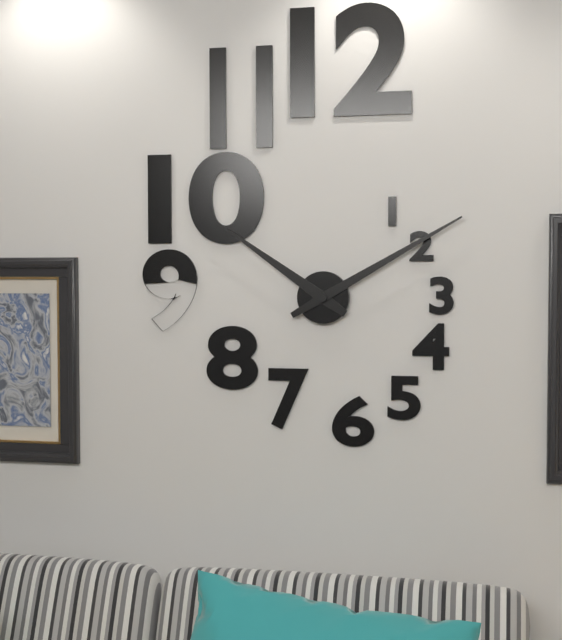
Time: h=10 m=10
